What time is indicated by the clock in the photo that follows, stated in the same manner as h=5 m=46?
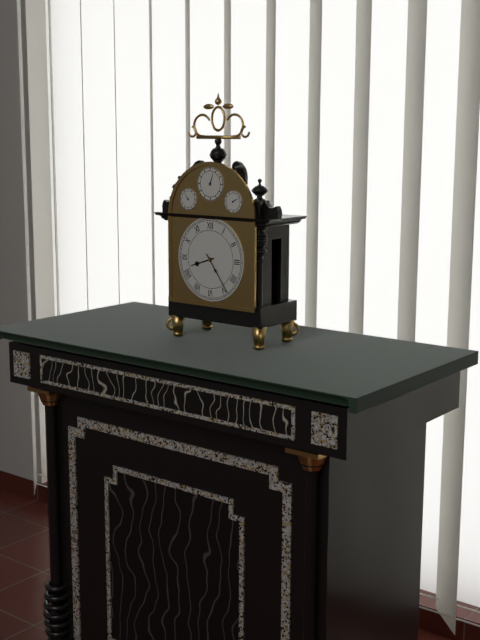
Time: h=8 m=24
